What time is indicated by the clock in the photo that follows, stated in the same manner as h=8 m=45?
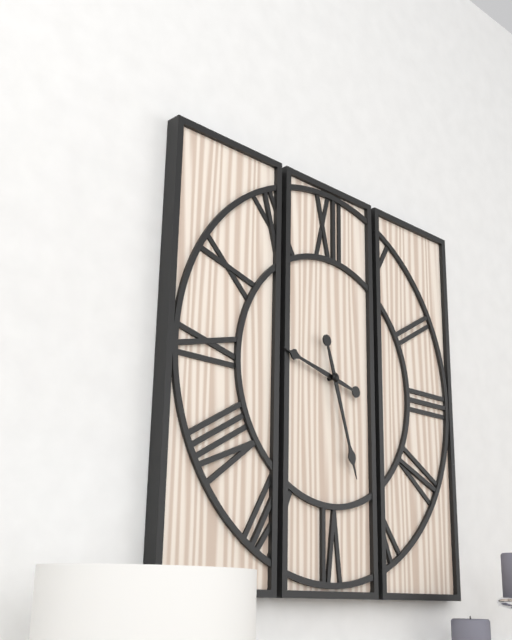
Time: h=9 m=27
